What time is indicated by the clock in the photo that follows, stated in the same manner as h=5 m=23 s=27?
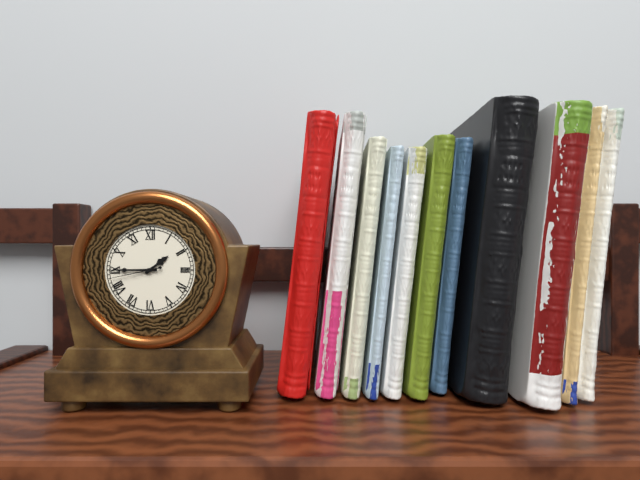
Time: h=1 m=45 s=43
